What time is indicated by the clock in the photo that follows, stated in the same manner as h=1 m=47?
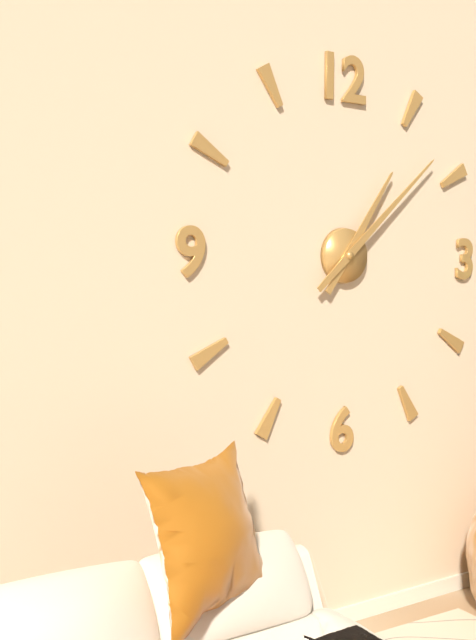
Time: h=1 m=8
